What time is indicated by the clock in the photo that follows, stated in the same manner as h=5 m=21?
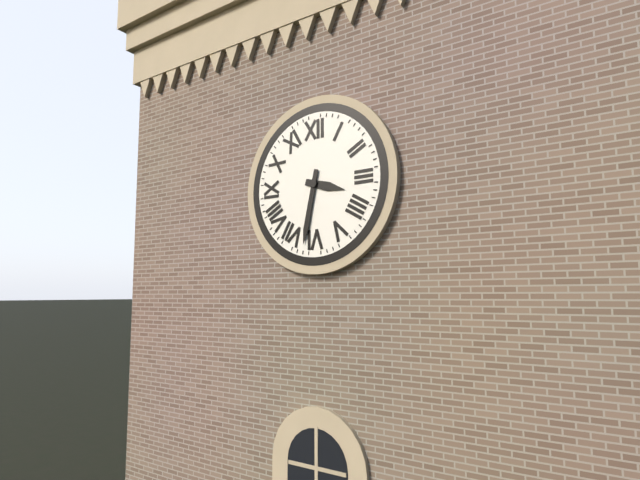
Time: h=3 m=32
